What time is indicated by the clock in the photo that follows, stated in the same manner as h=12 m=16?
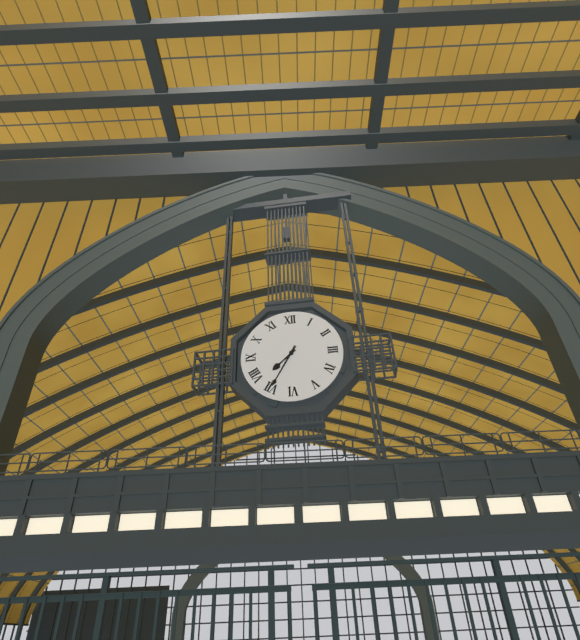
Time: h=7 m=35
